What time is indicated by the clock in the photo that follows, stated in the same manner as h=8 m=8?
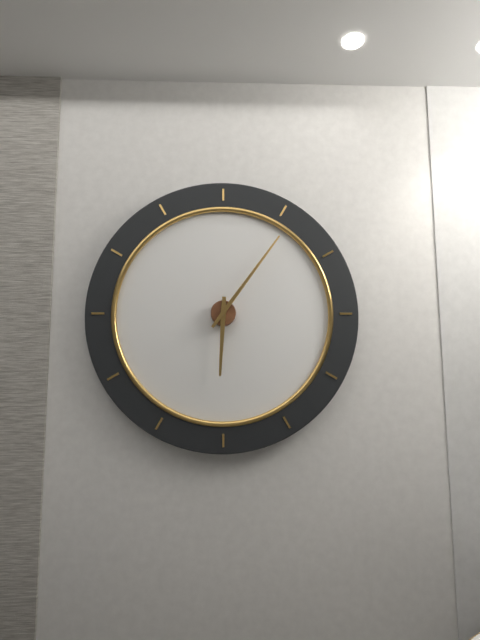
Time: h=6 m=6
